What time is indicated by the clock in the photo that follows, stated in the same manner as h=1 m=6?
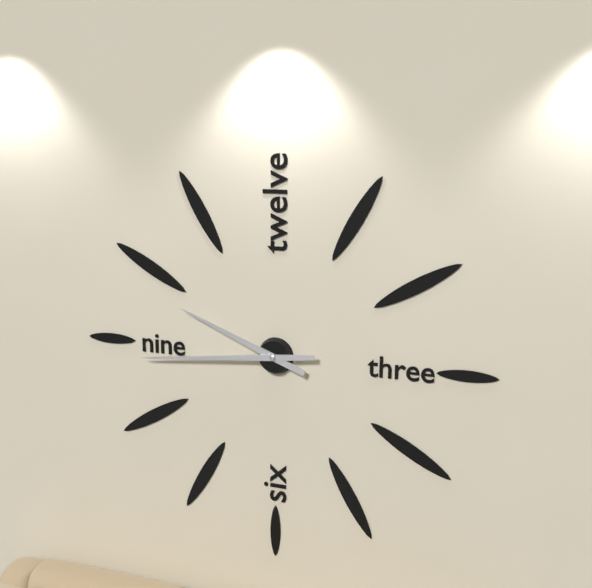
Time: h=9 m=44
